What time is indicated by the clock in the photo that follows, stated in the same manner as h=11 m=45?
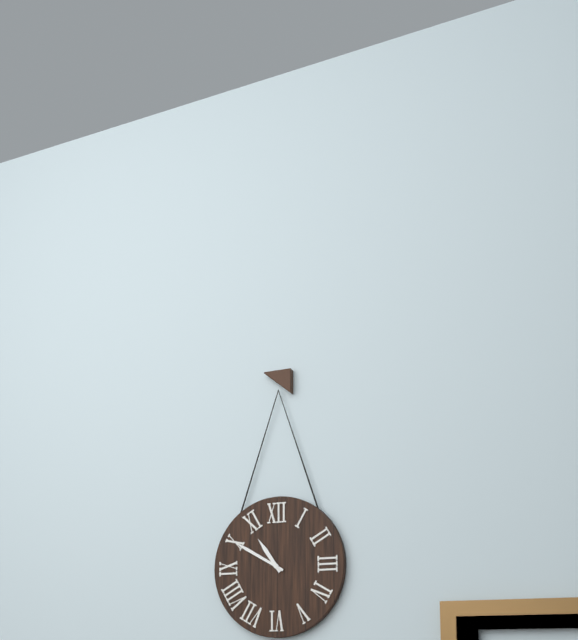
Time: h=10 m=50
